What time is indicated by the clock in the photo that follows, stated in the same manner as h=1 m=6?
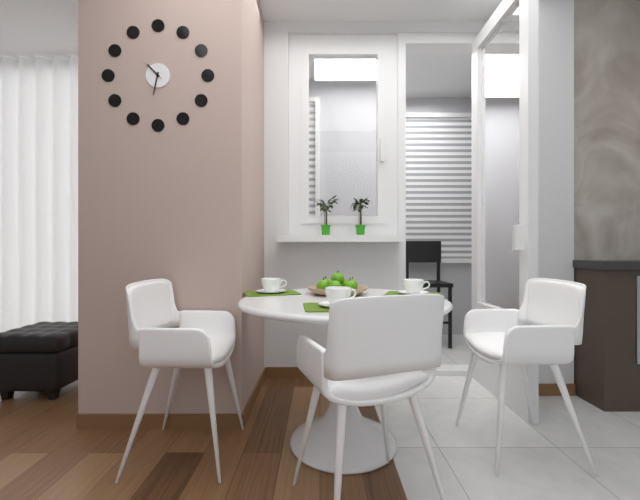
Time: h=10 m=32
